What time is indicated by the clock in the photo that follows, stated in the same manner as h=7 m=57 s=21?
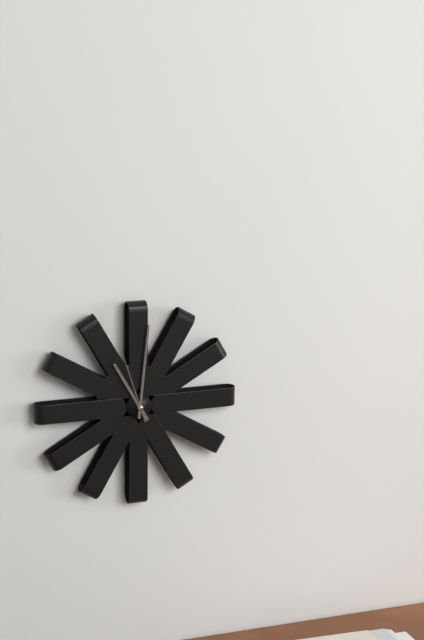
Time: h=11 m=1 s=57
